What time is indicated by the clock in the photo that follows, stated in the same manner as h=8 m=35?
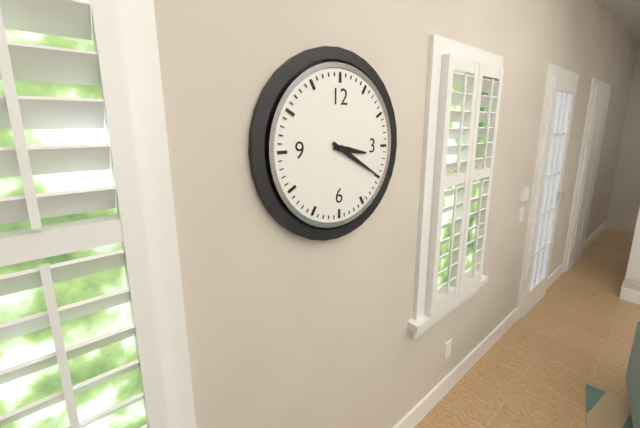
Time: h=3 m=20
